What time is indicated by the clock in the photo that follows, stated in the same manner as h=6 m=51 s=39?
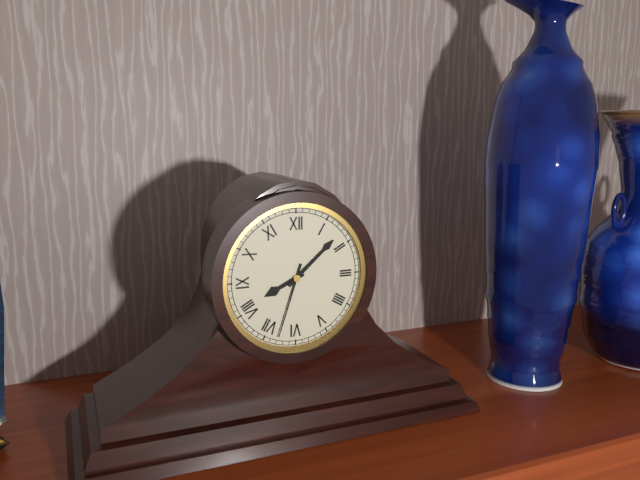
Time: h=8 m=8 s=33
